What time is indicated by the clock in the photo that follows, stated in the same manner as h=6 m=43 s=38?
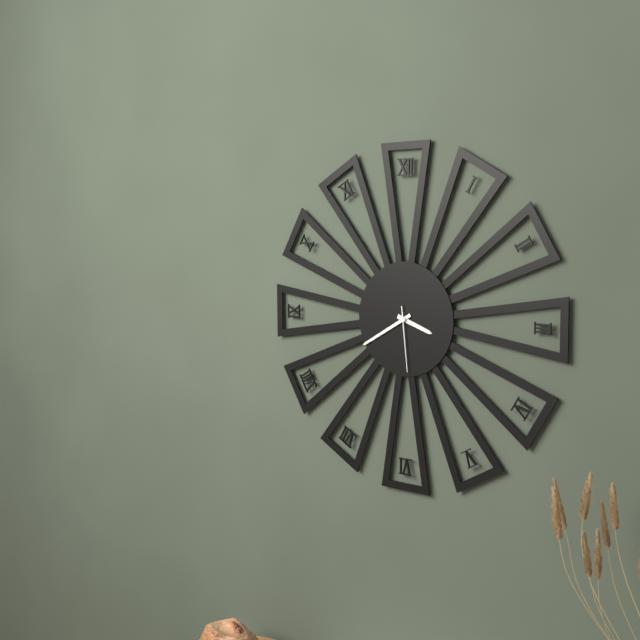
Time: h=3 m=40 s=29
